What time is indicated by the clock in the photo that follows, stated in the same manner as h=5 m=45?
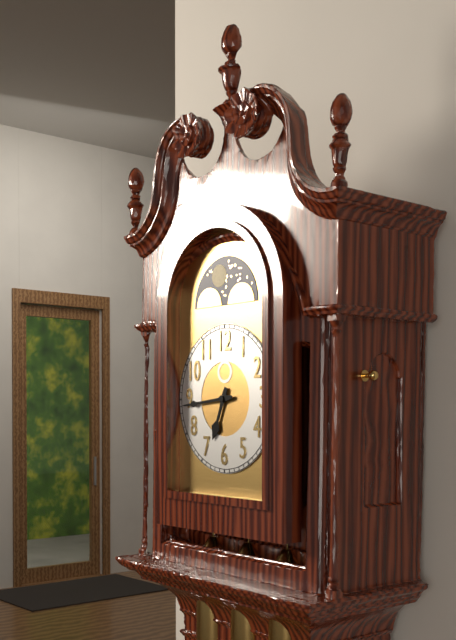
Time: h=6 m=44
